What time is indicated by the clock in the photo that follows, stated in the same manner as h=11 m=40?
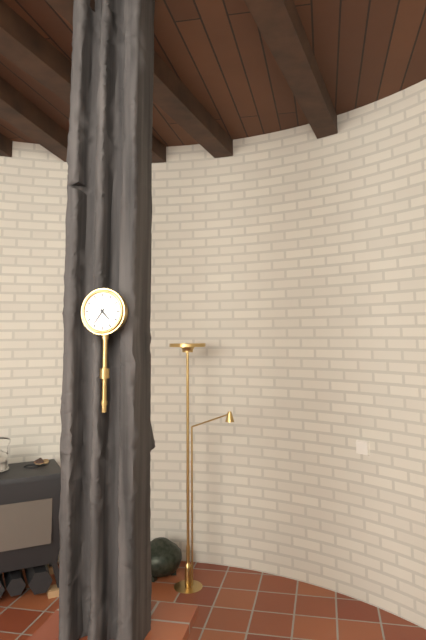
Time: h=4 m=36
